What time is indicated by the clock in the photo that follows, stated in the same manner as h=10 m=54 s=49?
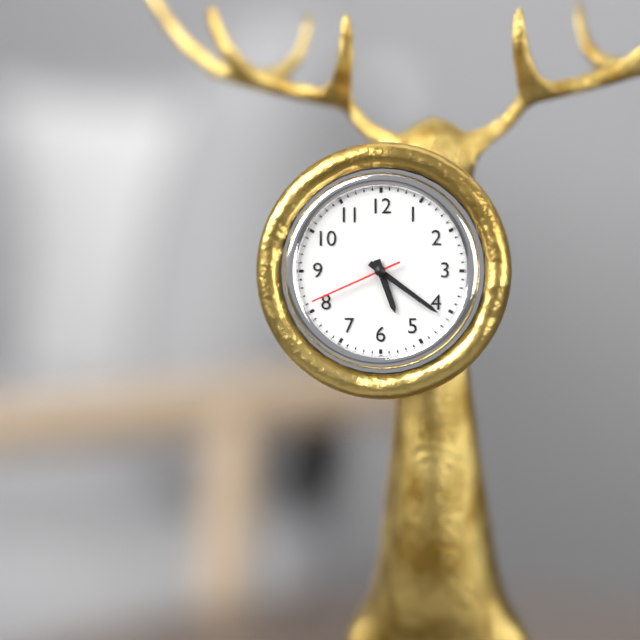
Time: h=5 m=21 s=41
